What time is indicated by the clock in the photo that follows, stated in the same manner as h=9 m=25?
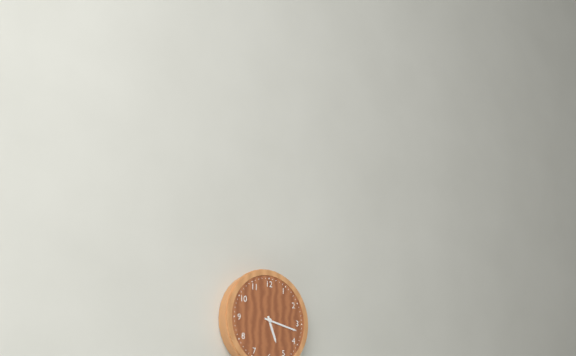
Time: h=5 m=17
